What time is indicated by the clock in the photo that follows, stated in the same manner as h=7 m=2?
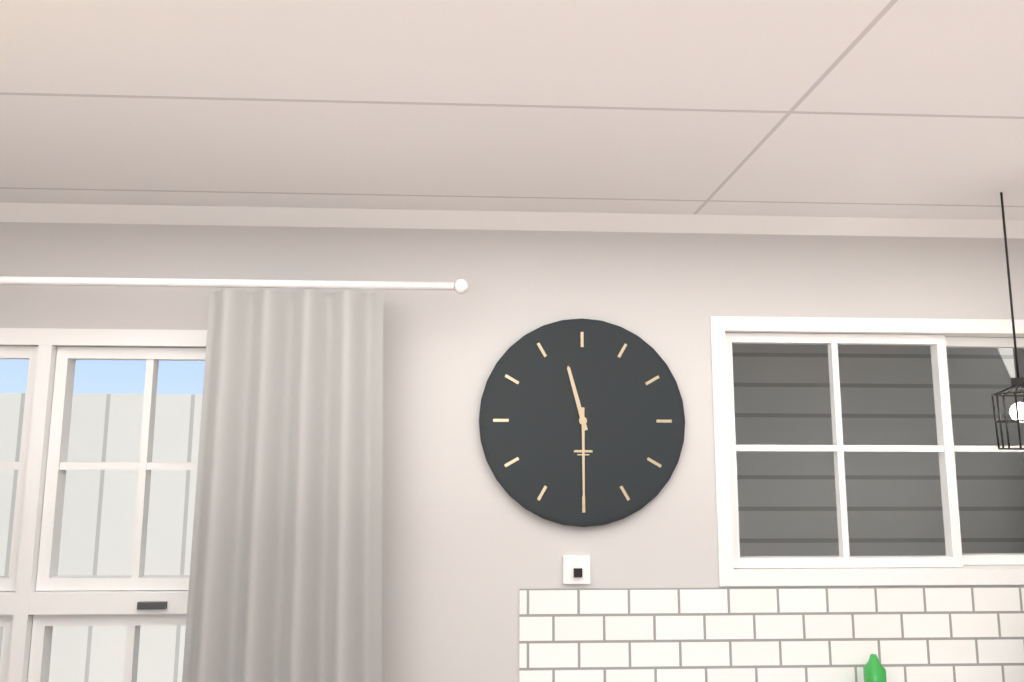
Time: h=11 m=30
